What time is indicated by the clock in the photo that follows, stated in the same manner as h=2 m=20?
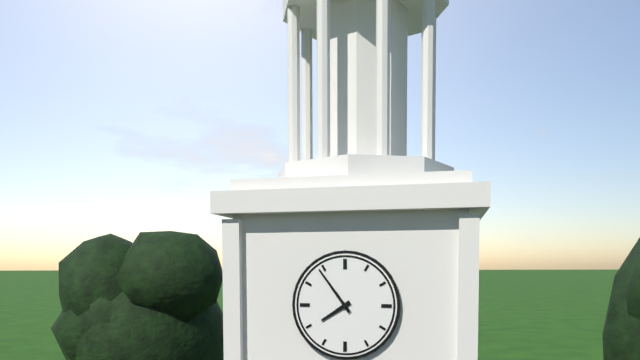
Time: h=7 m=54
